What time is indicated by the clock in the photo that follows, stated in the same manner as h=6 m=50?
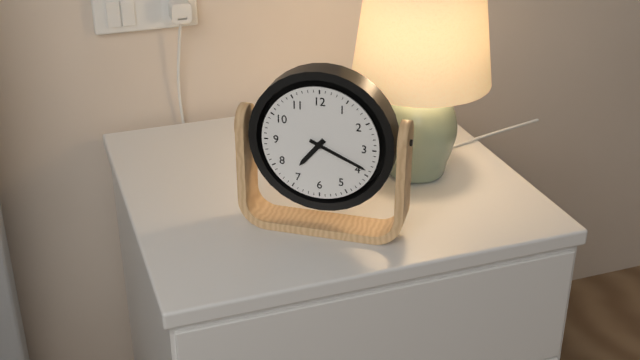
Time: h=7 m=19
